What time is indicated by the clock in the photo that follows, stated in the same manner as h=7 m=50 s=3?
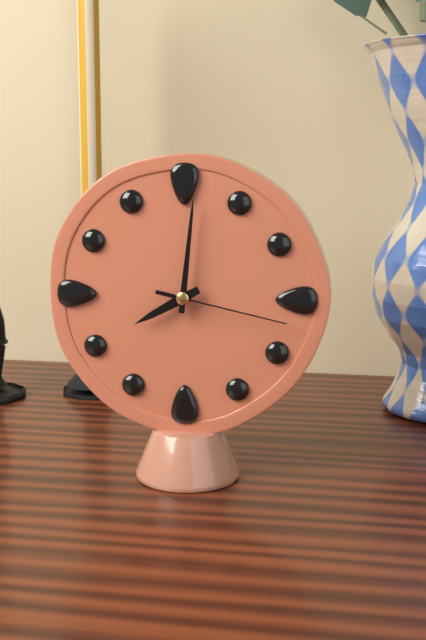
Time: h=8 m=1 s=17
